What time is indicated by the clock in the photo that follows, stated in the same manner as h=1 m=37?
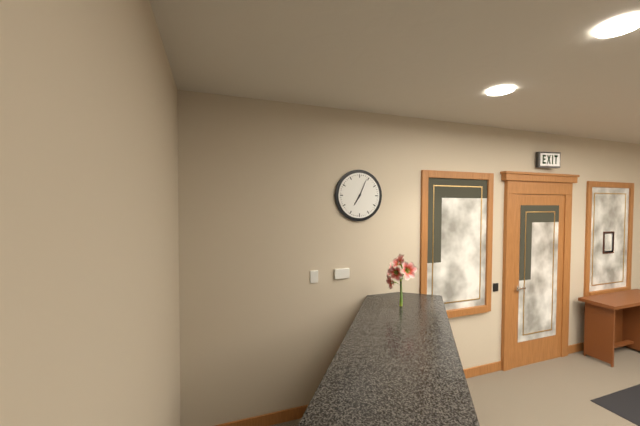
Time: h=7 m=4
